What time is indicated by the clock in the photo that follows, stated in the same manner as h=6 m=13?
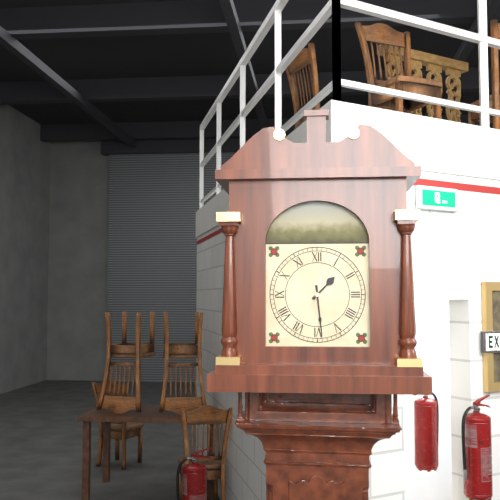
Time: h=1 m=29
